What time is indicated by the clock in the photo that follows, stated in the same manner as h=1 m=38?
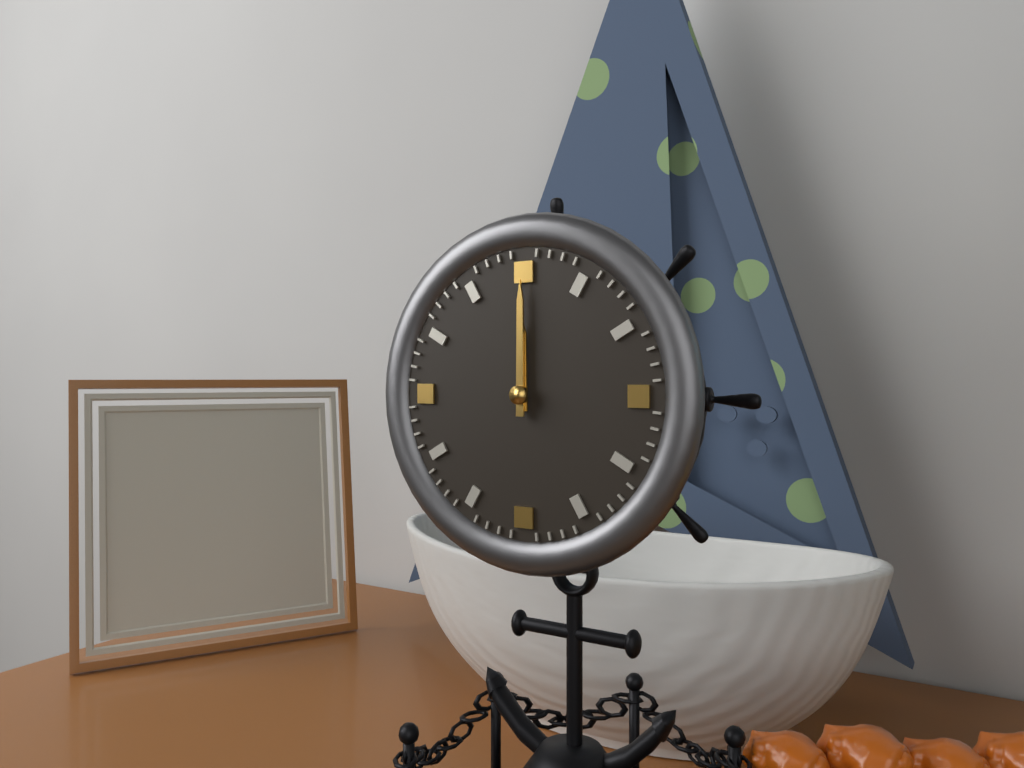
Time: h=12 m=0
